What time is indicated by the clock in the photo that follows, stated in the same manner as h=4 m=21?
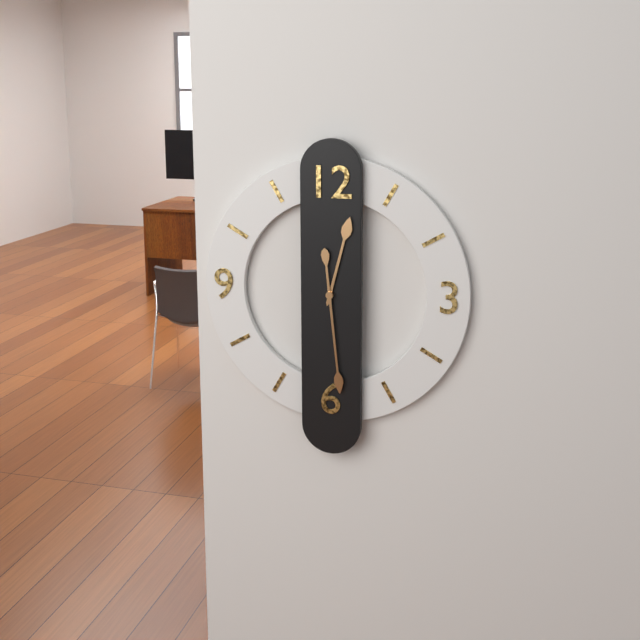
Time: h=12 m=29
